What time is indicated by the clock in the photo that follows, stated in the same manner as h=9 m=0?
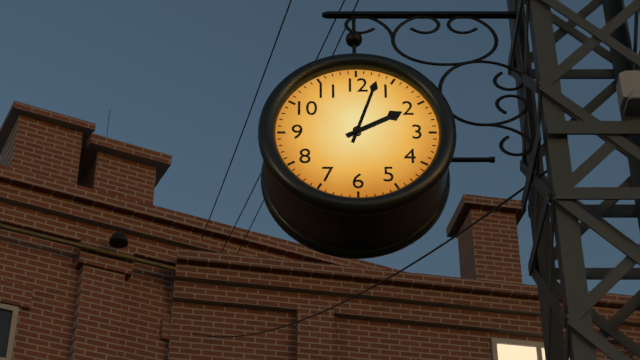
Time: h=2 m=3
